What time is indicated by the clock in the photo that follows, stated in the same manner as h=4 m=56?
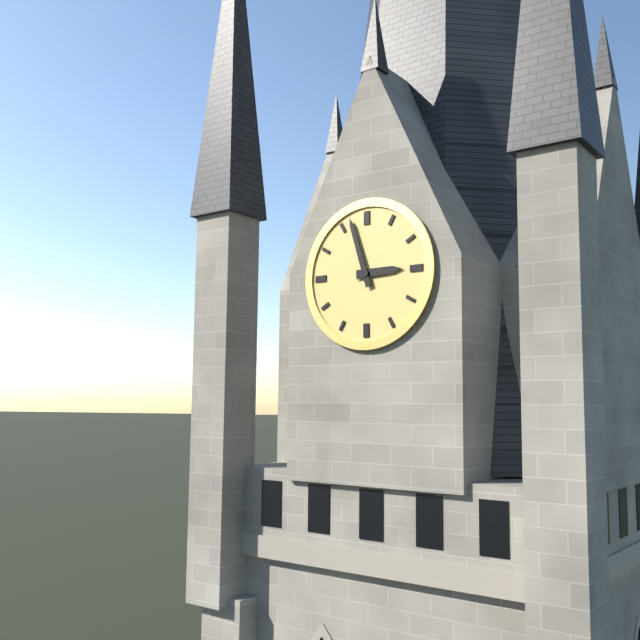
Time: h=2 m=57
